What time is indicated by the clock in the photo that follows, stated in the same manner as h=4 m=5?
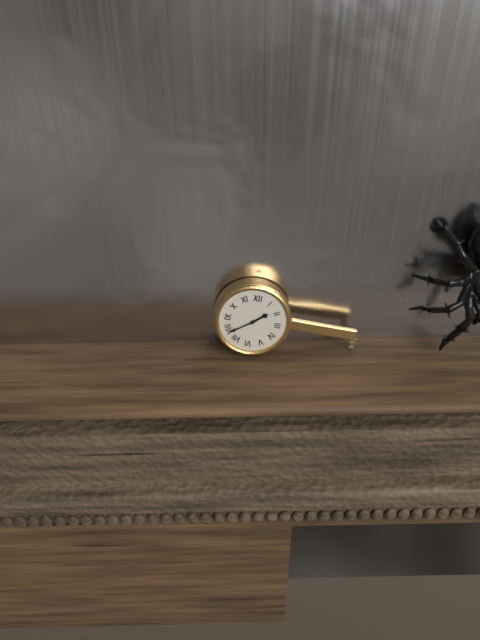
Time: h=1 m=39
